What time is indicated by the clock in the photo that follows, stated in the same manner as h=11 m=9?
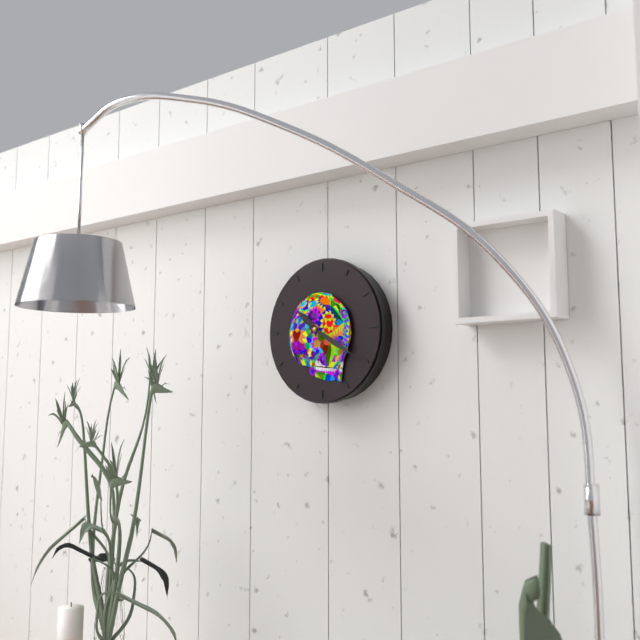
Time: h=10 m=20
